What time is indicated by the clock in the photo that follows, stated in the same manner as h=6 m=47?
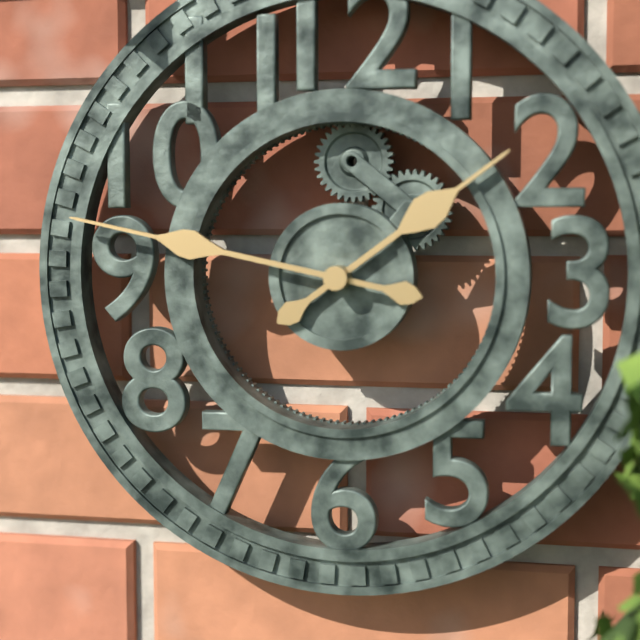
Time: h=1 m=47
